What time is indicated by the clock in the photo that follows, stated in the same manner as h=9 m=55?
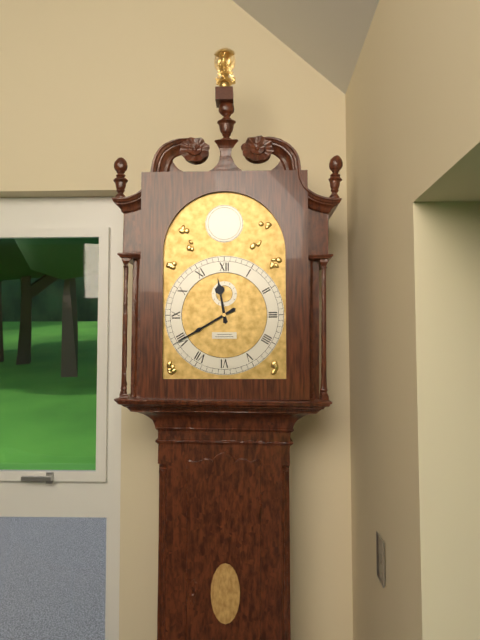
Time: h=11 m=40
